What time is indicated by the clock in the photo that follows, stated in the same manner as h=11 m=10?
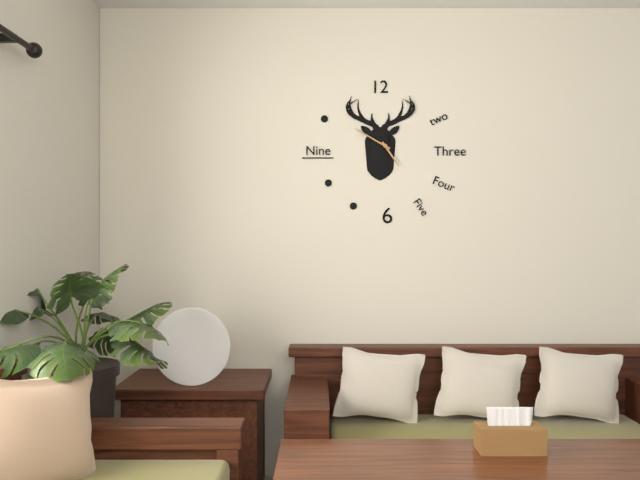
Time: h=4 m=50
